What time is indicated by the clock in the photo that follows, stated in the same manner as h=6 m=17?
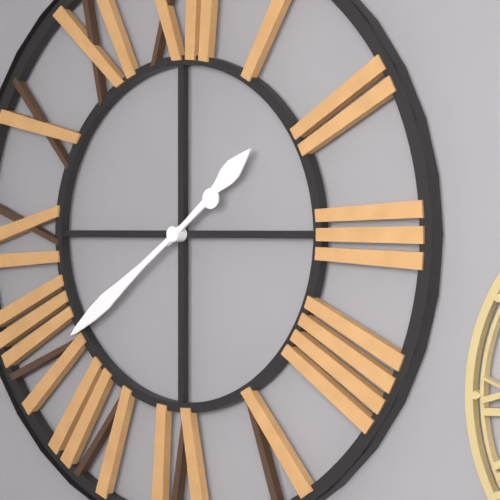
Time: h=1 m=39
